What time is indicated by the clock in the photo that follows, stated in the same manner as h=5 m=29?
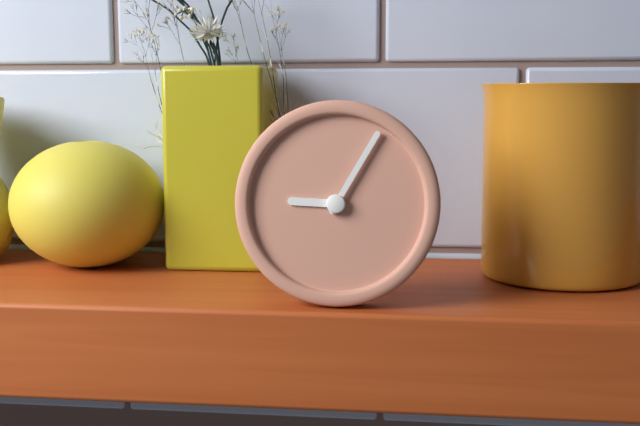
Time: h=9 m=5
